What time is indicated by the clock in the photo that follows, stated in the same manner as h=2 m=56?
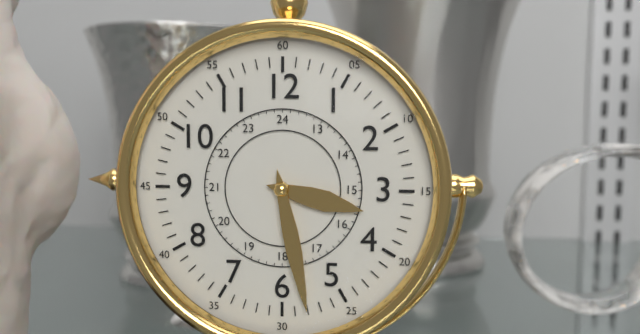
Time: h=3 m=28
